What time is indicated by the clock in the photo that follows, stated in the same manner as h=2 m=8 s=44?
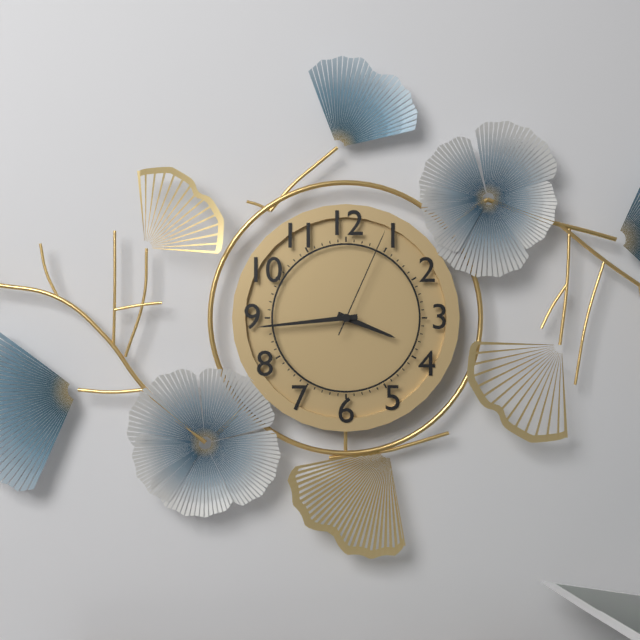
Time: h=3 m=44 s=4
